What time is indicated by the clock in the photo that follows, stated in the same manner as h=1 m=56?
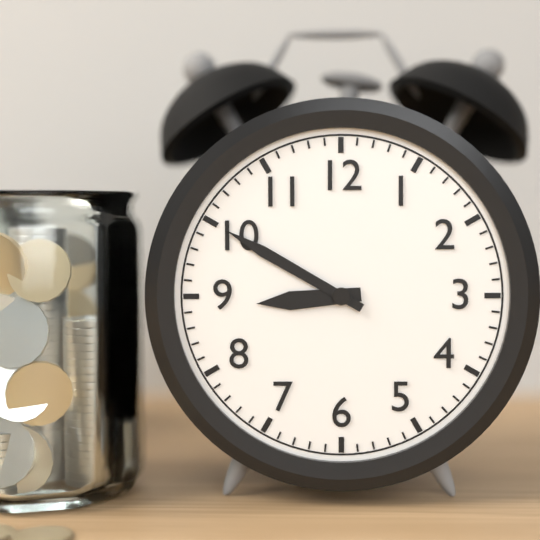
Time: h=8 m=50
